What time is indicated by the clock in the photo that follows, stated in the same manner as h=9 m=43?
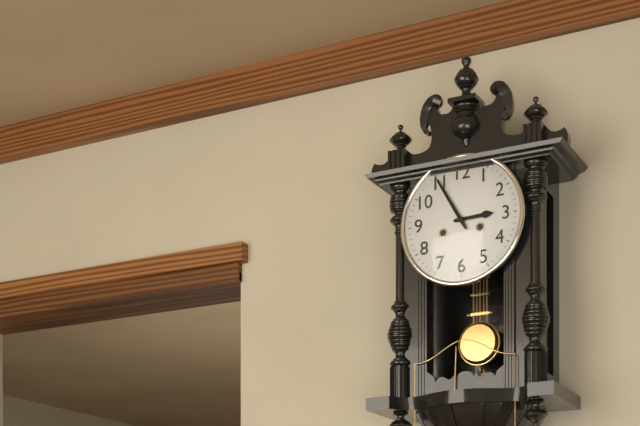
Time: h=2 m=55
